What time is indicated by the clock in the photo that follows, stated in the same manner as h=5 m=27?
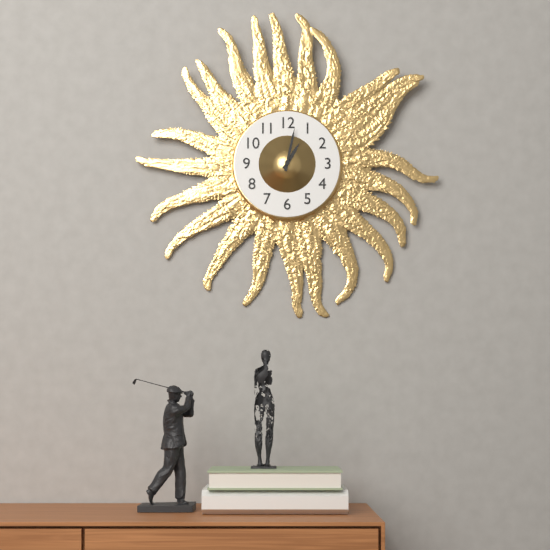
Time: h=1 m=2
